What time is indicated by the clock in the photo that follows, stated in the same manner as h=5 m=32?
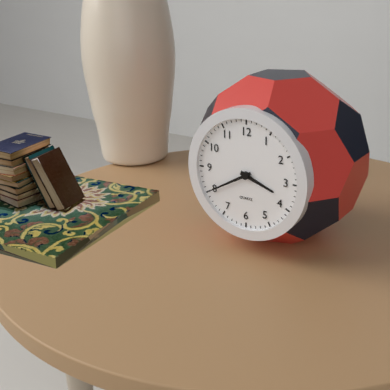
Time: h=3 m=40
